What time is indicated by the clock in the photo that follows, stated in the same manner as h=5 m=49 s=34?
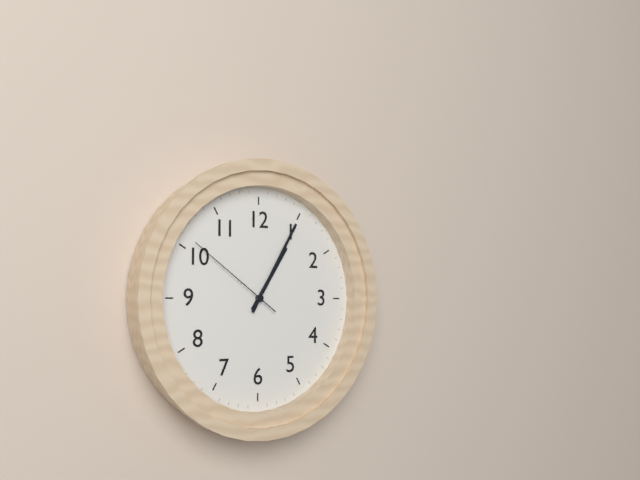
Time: h=1 m=5 s=51
